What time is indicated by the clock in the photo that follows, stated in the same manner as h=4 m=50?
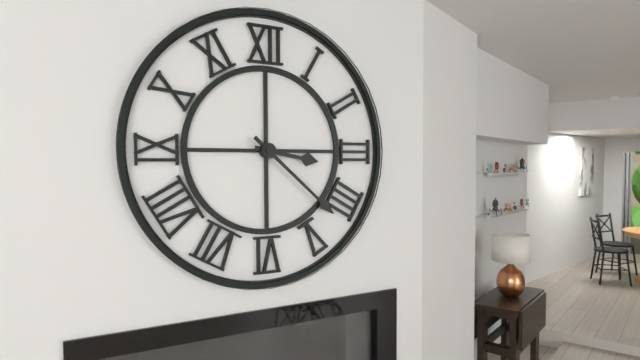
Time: h=3 m=22
